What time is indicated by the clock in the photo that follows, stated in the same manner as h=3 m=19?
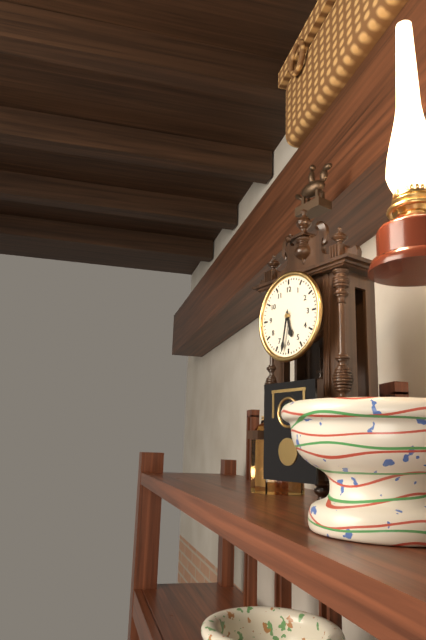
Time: h=5 m=32
